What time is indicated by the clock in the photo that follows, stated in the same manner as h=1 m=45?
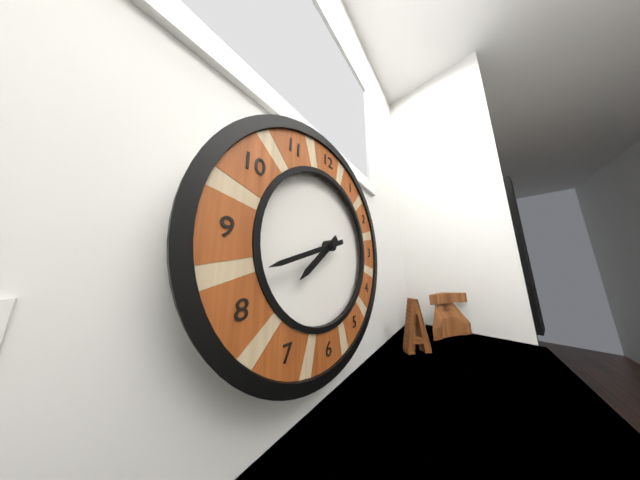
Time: h=7 m=42
